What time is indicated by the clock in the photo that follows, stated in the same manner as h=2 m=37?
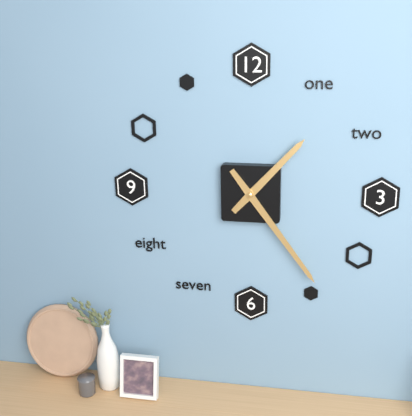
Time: h=1 m=24
